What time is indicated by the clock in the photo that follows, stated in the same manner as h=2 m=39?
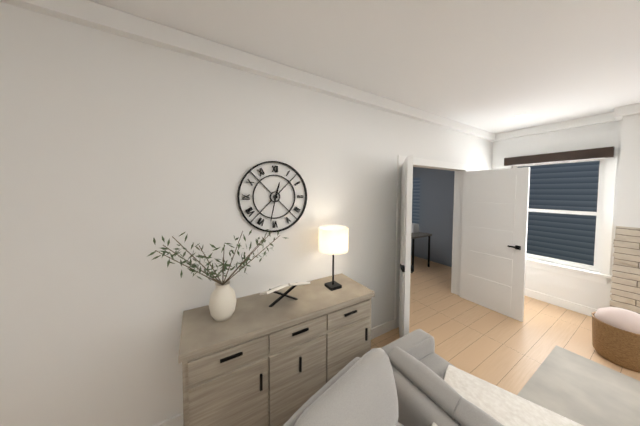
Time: h=12 m=32
